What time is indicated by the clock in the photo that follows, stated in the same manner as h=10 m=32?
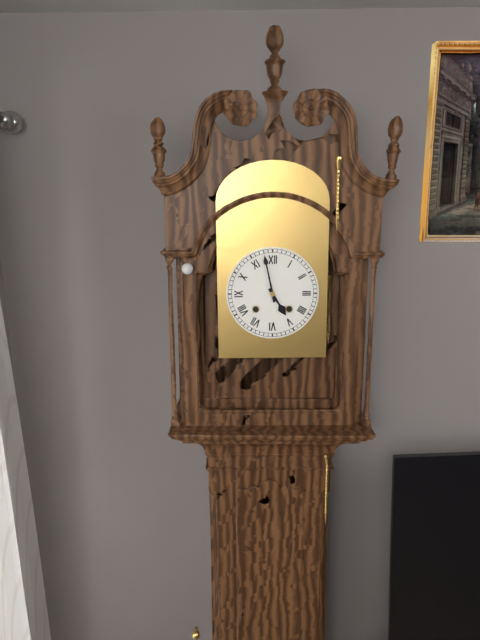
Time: h=4 m=58
